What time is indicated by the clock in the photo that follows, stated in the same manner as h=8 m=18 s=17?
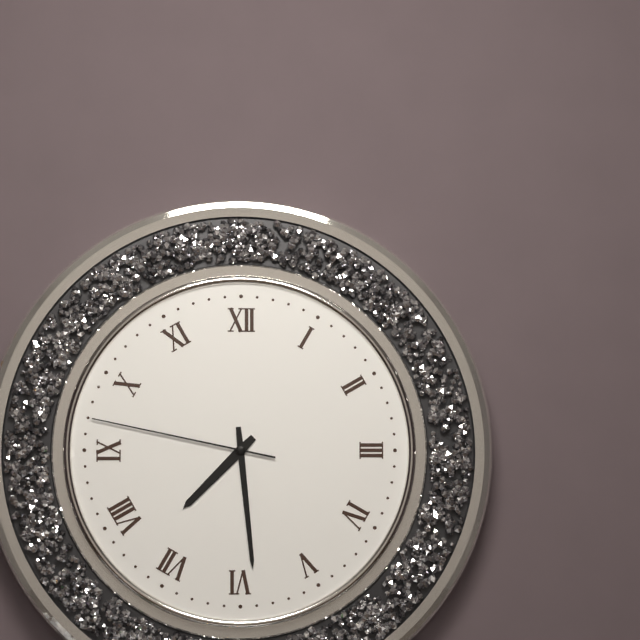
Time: h=7 m=29 s=47
